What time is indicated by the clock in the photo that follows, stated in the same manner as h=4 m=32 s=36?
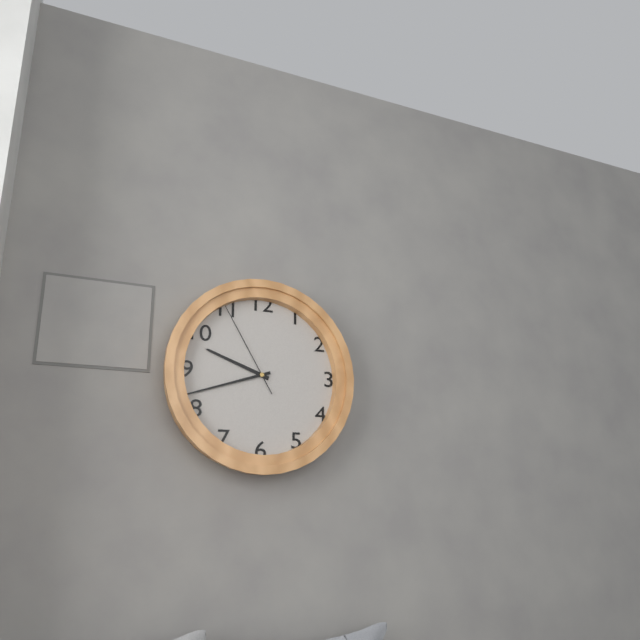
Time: h=9 m=42 s=55
